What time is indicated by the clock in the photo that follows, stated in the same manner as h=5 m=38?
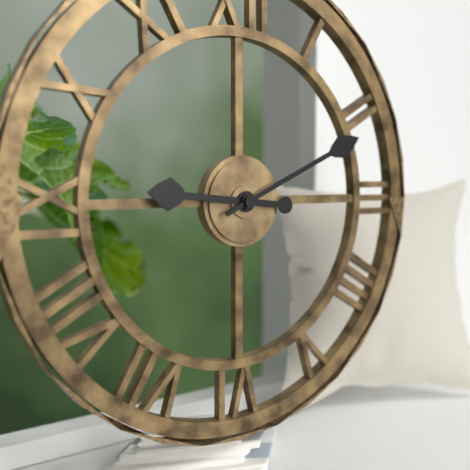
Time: h=9 m=11
